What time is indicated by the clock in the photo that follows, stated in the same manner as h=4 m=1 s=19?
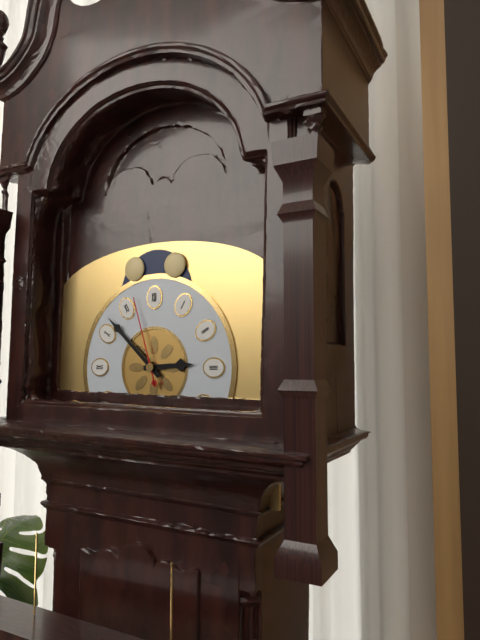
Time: h=2 m=52 s=57
